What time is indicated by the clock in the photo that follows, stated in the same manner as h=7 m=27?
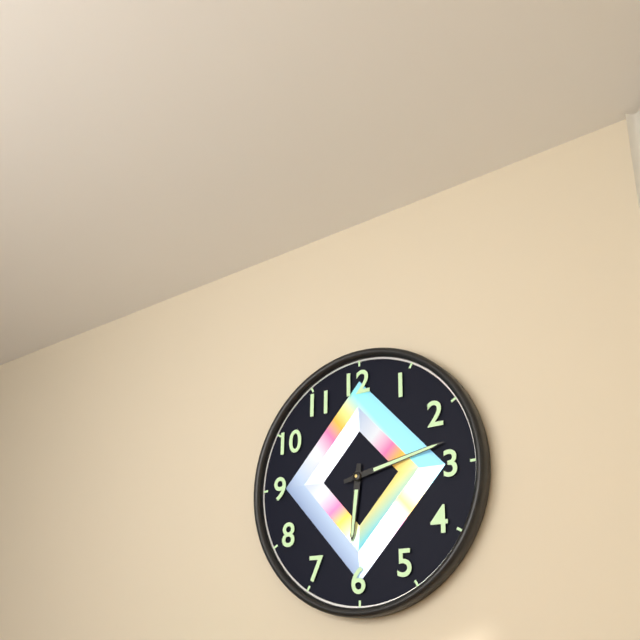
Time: h=6 m=13
